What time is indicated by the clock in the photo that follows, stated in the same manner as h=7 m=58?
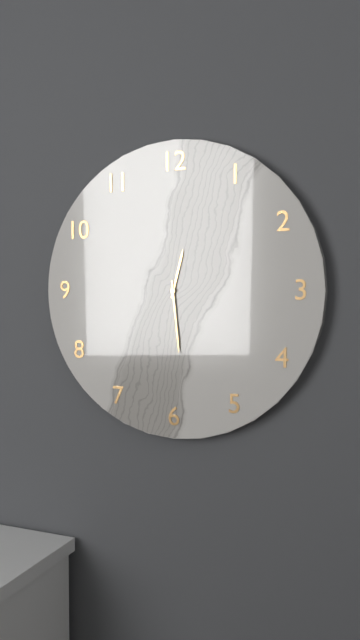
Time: h=12 m=29
